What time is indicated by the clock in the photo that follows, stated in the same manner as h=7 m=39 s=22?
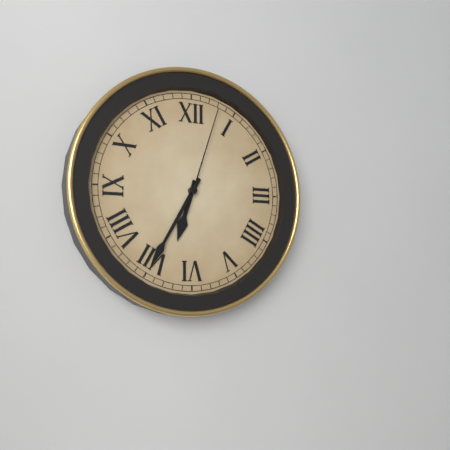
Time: h=6 m=35 s=3
